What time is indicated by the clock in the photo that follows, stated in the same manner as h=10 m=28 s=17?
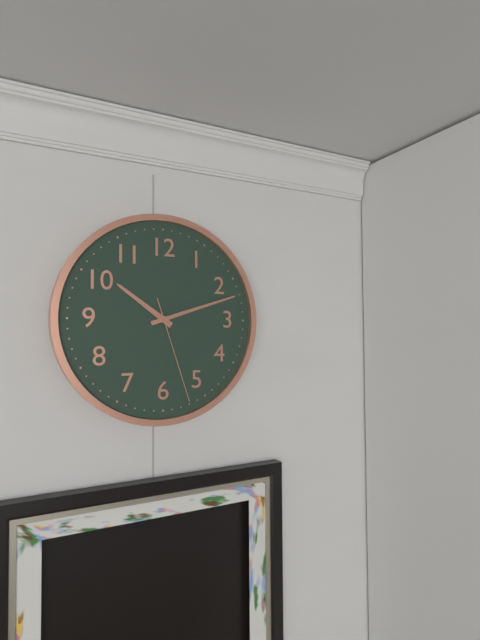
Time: h=10 m=12 s=27
